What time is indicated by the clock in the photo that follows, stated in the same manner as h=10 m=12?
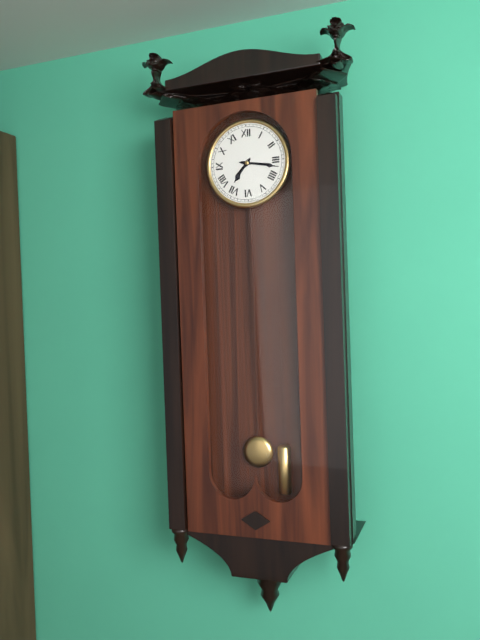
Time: h=7 m=17
